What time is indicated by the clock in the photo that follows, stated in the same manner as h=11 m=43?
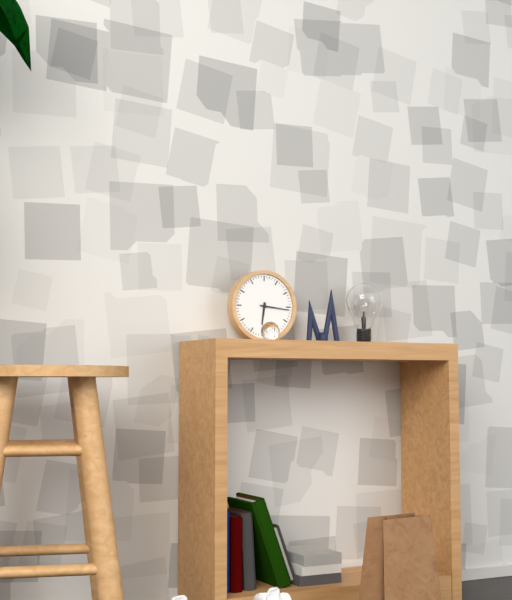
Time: h=6 m=16
